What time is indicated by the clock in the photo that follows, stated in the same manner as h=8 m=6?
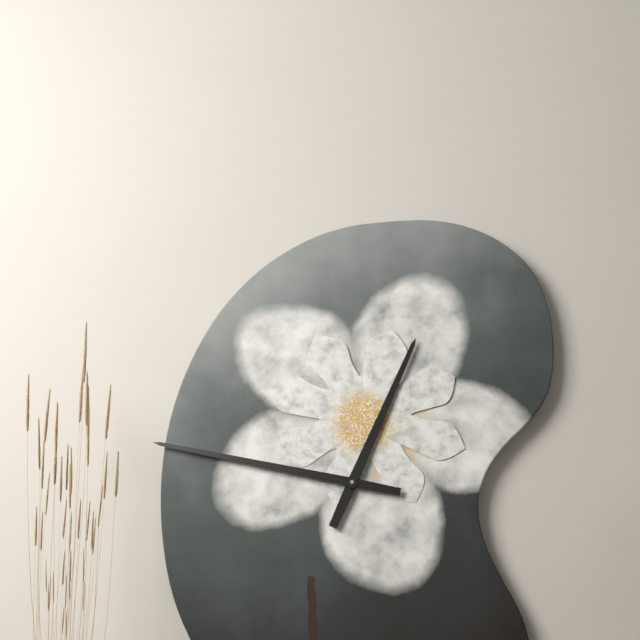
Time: h=12 m=47
